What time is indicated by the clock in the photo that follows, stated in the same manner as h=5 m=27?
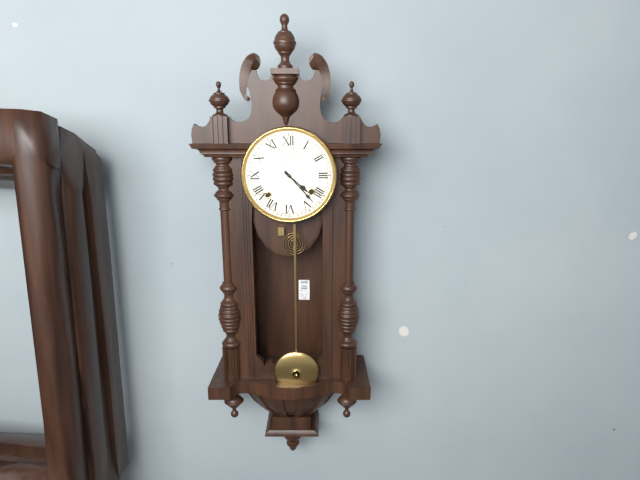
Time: h=4 m=23
